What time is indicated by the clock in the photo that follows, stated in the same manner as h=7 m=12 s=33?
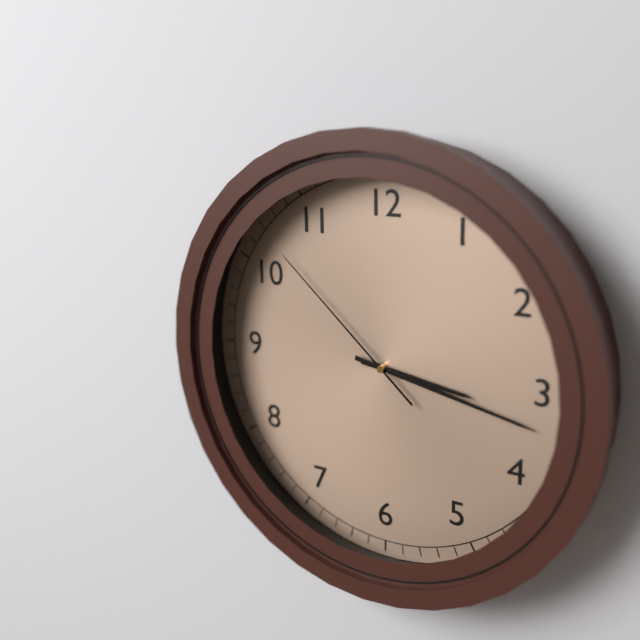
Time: h=3 m=17 s=52
